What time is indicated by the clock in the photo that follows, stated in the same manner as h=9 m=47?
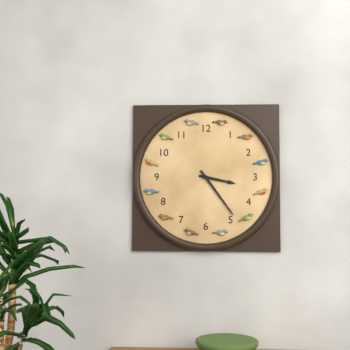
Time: h=3 m=24
